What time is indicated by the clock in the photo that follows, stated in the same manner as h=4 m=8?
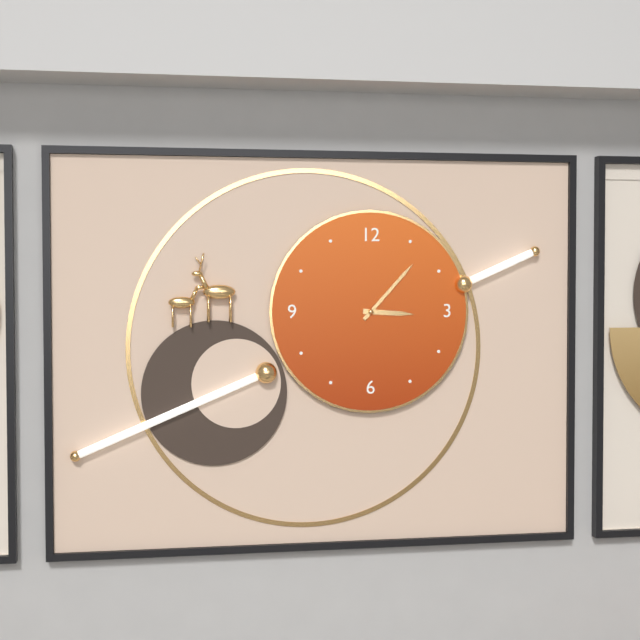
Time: h=3 m=7
